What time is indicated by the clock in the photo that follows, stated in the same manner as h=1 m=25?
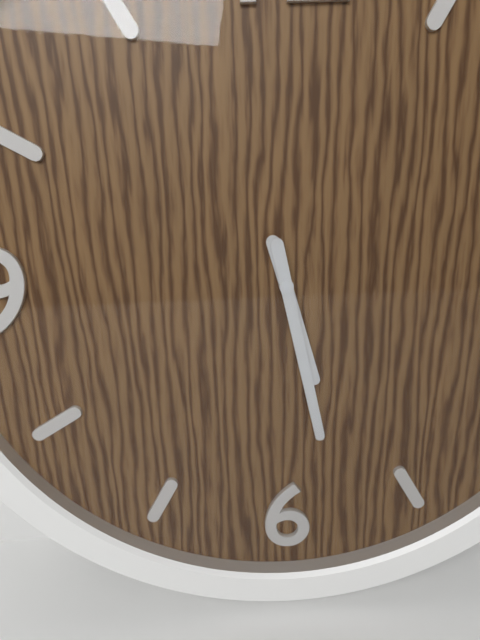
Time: h=5 m=28
